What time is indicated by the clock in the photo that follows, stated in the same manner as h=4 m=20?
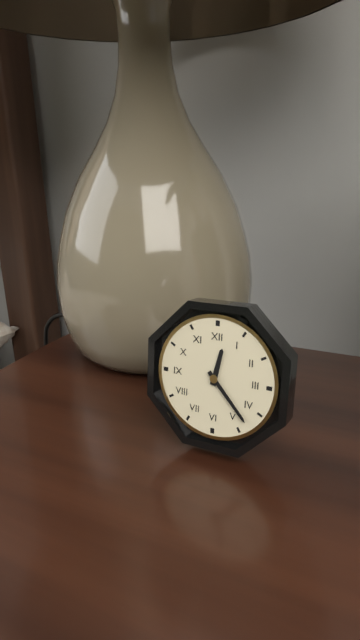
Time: h=12 m=23
